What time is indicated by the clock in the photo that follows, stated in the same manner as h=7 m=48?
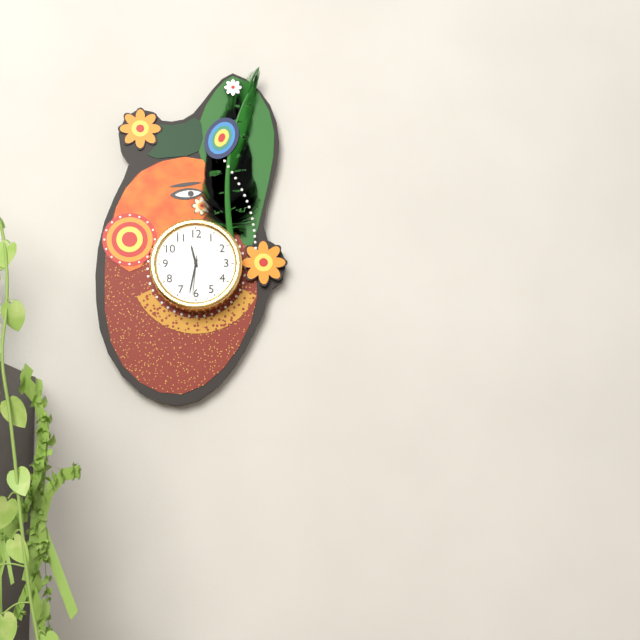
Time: h=11 m=32
